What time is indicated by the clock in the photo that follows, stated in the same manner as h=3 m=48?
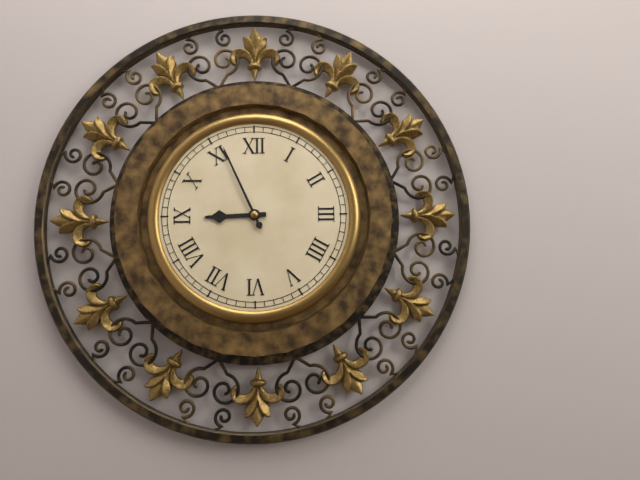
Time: h=8 m=56
